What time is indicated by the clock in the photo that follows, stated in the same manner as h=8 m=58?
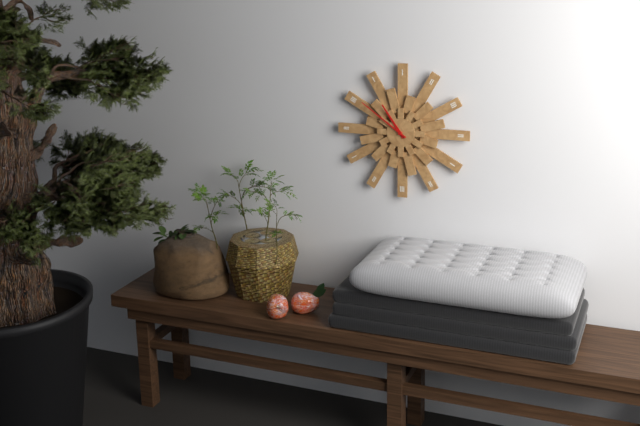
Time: h=10 m=51
